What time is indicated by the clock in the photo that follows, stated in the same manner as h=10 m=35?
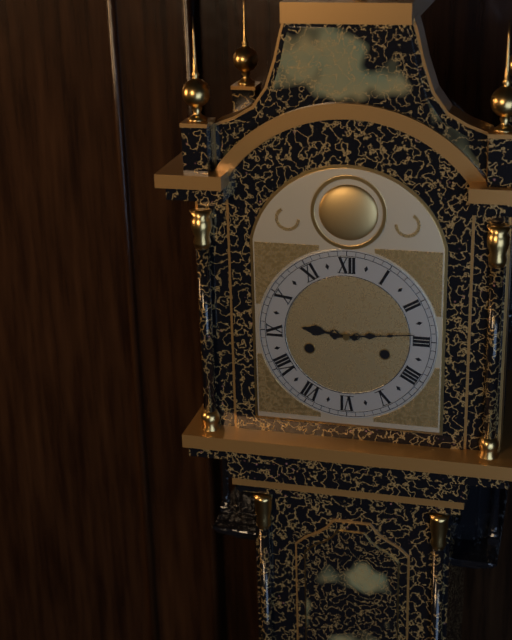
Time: h=9 m=14
